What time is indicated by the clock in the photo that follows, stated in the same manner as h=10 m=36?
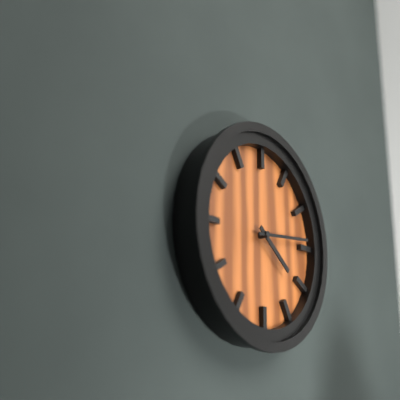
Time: h=4 m=14
